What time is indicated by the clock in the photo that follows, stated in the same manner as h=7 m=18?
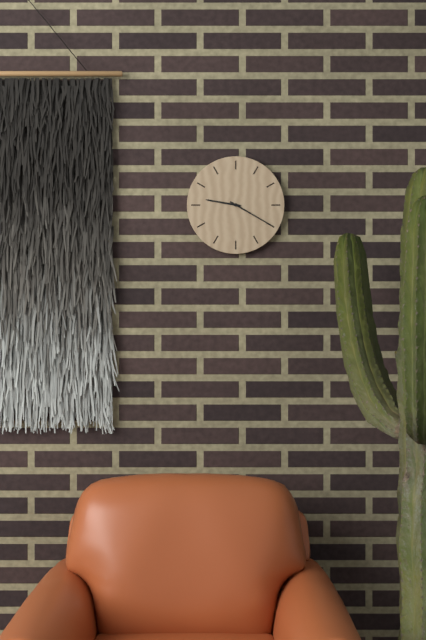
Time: h=9 m=20
